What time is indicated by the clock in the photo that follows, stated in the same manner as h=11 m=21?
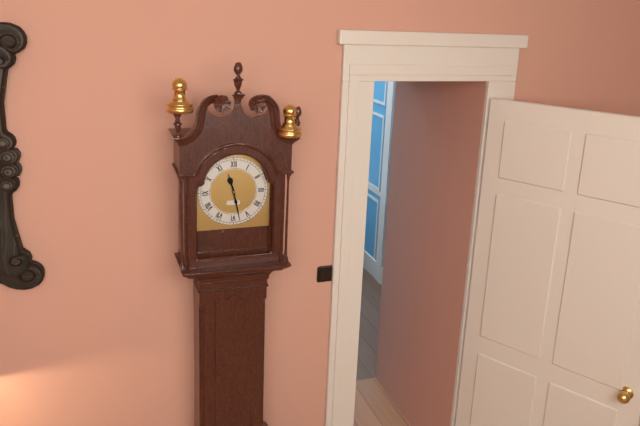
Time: h=11 m=28
